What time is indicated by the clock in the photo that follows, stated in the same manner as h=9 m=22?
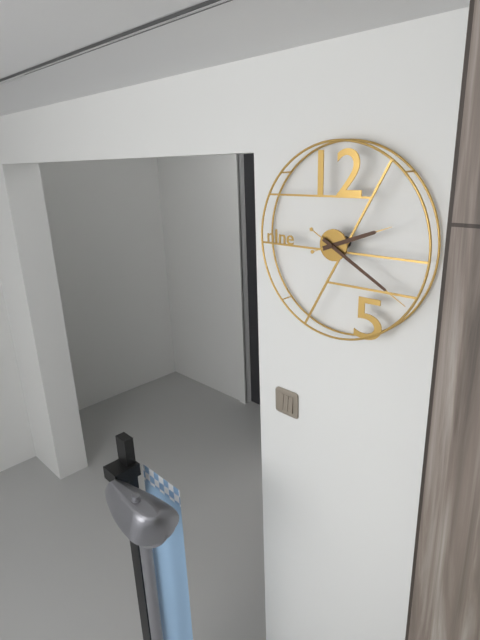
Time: h=2 m=20
